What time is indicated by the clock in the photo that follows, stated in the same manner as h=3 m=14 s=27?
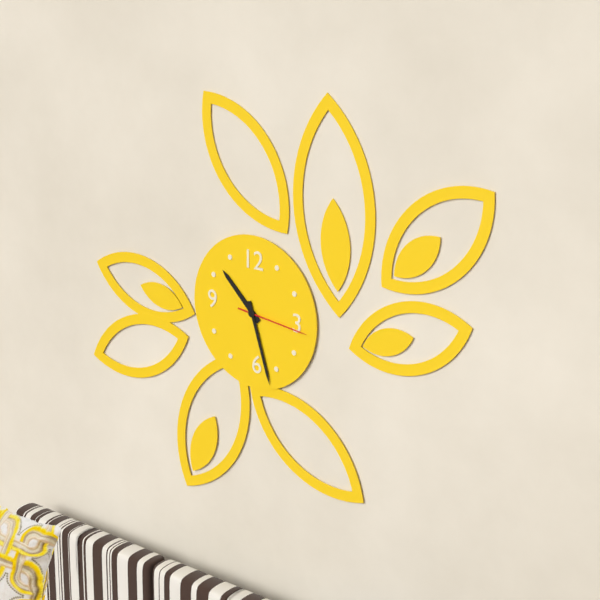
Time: h=10 m=27 s=16
